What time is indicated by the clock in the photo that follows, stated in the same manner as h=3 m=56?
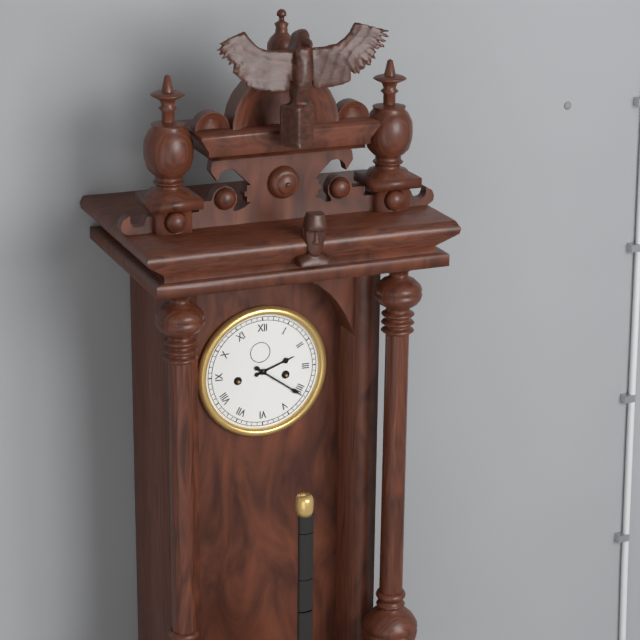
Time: h=2 m=21
